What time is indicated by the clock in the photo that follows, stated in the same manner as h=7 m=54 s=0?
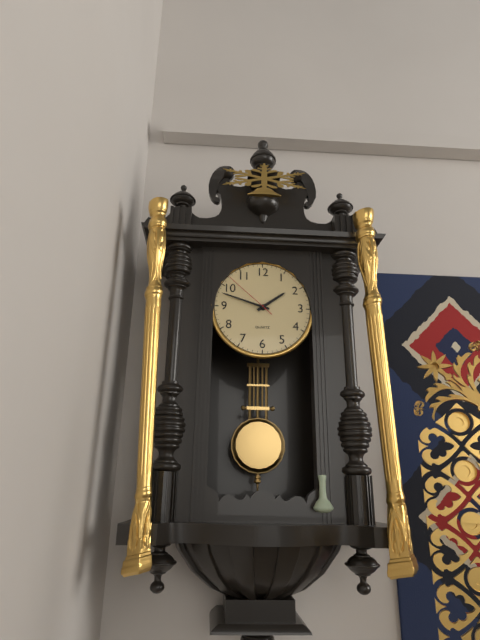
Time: h=1 m=48 s=52
